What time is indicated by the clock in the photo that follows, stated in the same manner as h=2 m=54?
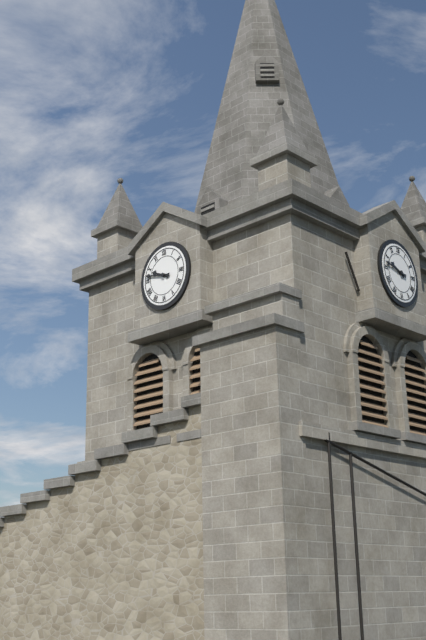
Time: h=9 m=47
